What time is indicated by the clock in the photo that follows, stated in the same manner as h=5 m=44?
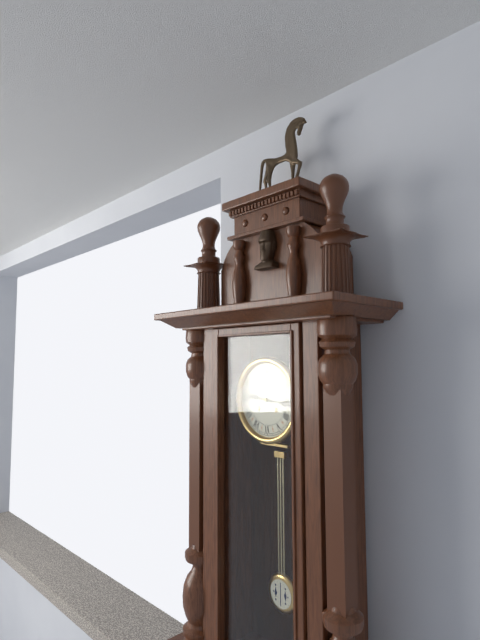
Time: h=9 m=16
